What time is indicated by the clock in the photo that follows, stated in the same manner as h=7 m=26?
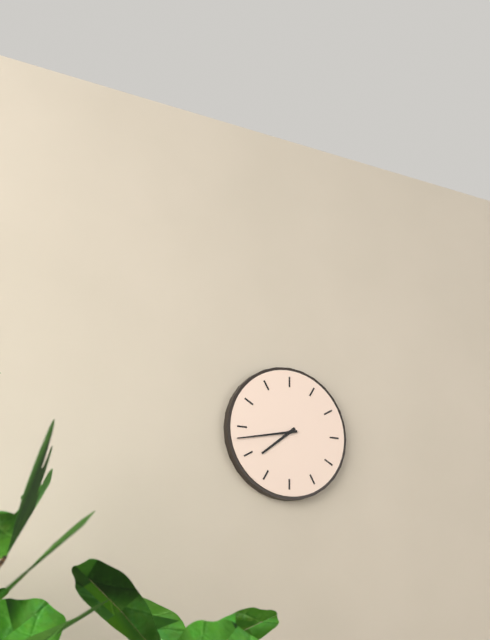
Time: h=7 m=43
